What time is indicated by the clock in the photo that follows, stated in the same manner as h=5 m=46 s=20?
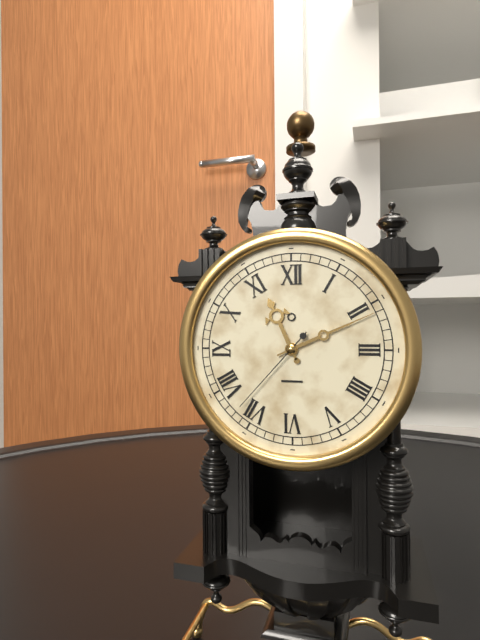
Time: h=11 m=11 s=37
